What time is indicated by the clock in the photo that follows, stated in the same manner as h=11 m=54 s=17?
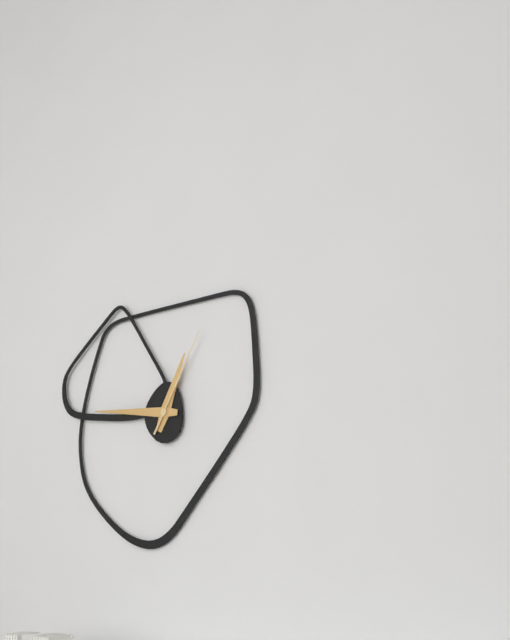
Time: h=12 m=46 s=5
